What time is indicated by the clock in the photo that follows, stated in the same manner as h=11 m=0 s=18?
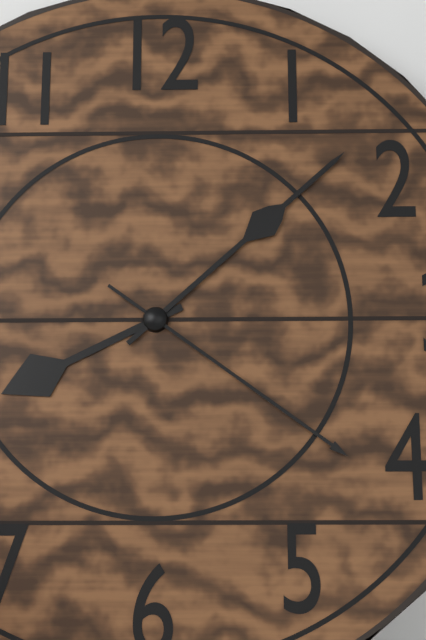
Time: h=8 m=8 s=21
